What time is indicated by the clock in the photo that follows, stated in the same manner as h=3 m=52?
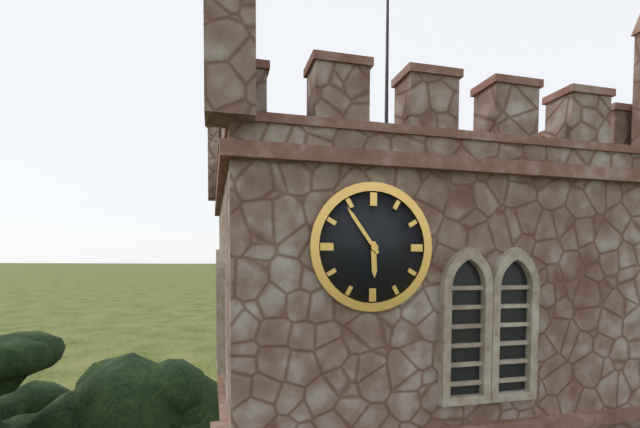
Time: h=5 m=54
